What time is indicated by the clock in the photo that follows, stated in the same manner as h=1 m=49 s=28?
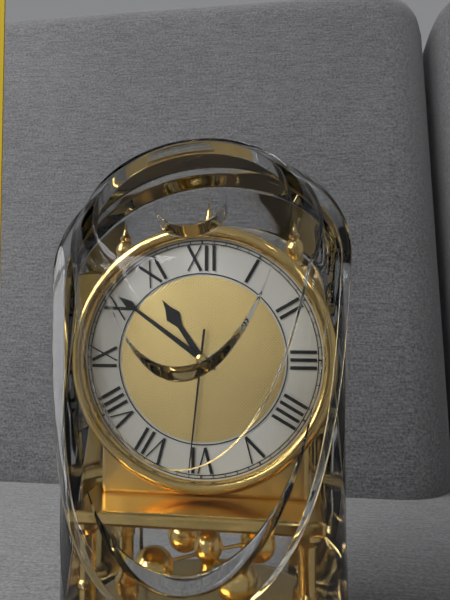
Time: h=10 m=51 s=31
